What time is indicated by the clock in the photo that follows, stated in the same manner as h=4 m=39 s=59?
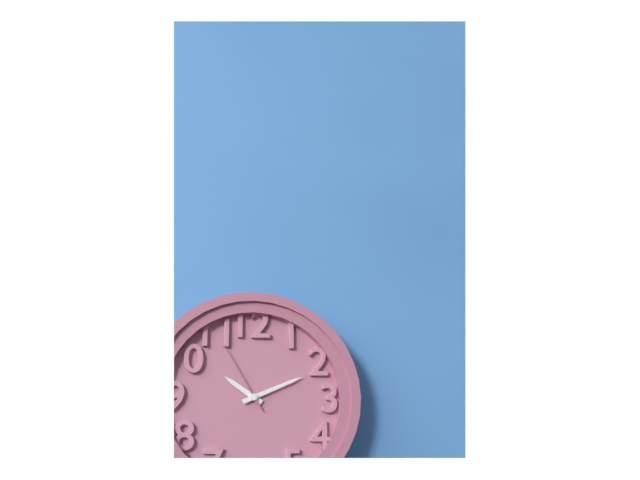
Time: h=10 m=11 s=55
